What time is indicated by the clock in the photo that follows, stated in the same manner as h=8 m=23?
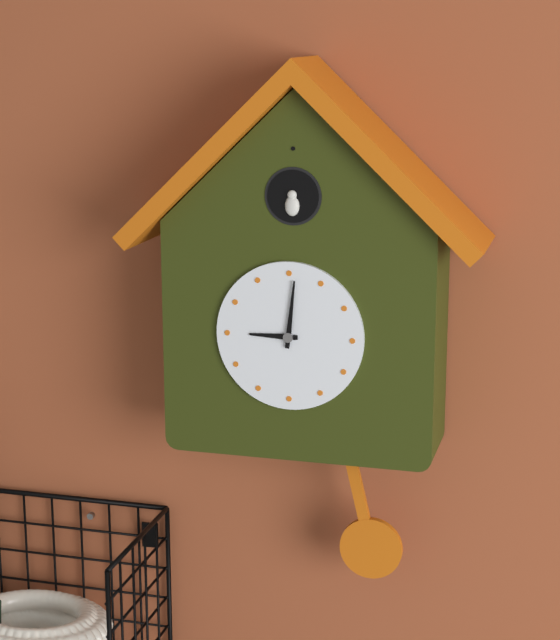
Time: h=9 m=1
